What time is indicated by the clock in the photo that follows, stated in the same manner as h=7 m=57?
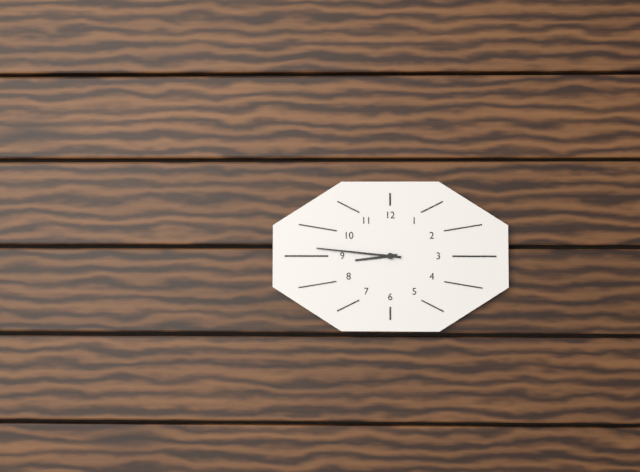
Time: h=8 m=46
